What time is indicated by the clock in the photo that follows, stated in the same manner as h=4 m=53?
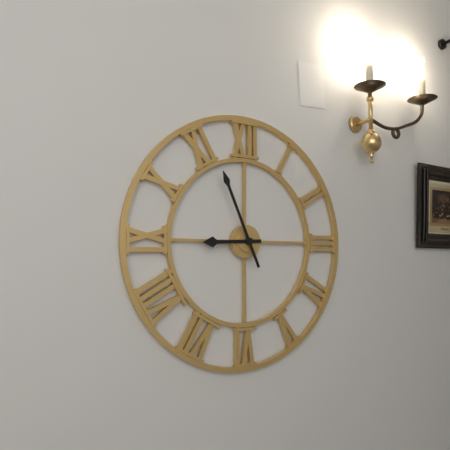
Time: h=8 m=56
